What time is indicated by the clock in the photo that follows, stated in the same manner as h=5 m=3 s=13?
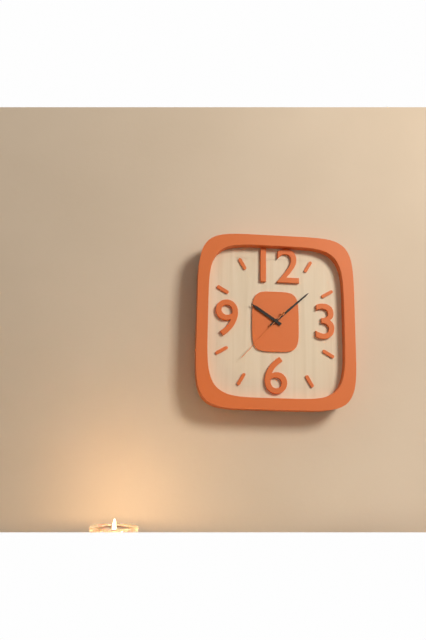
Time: h=10 m=8 s=37
